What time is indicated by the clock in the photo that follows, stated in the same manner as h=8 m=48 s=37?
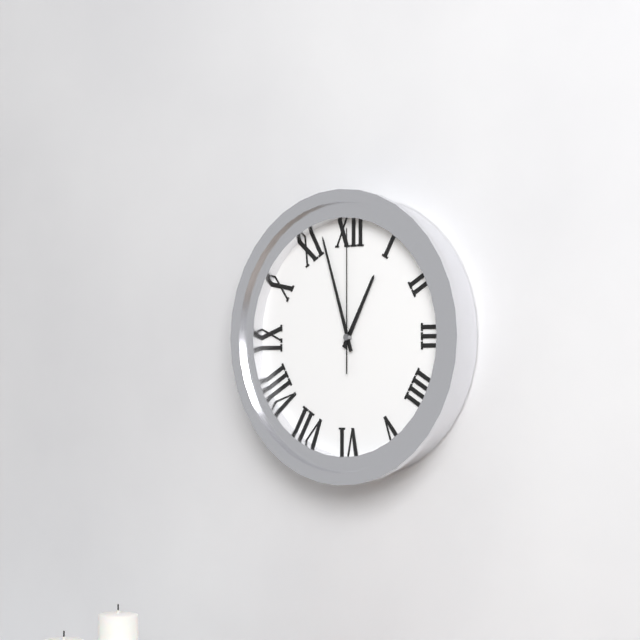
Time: h=12 m=57 s=0
